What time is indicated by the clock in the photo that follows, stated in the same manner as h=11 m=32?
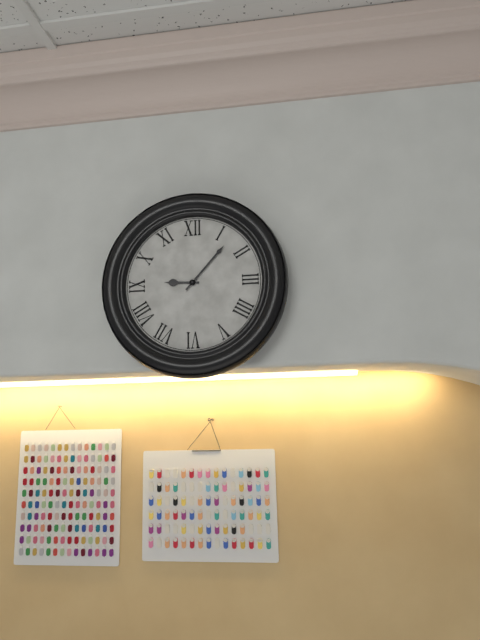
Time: h=9 m=7
